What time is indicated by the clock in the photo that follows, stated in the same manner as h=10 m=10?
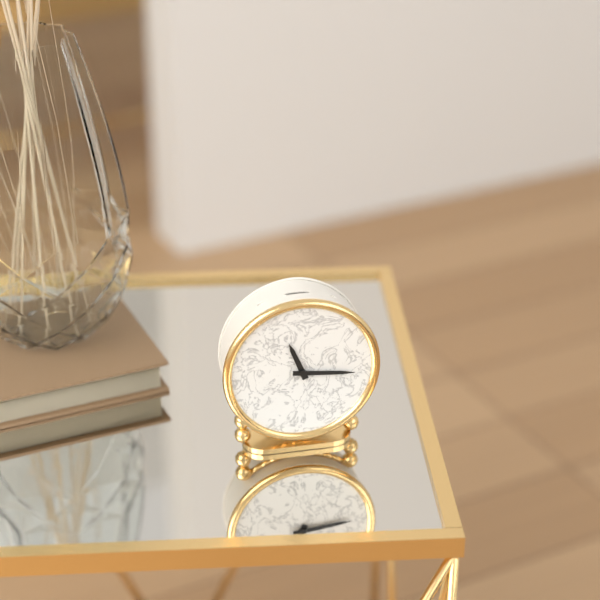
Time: h=11 m=16
